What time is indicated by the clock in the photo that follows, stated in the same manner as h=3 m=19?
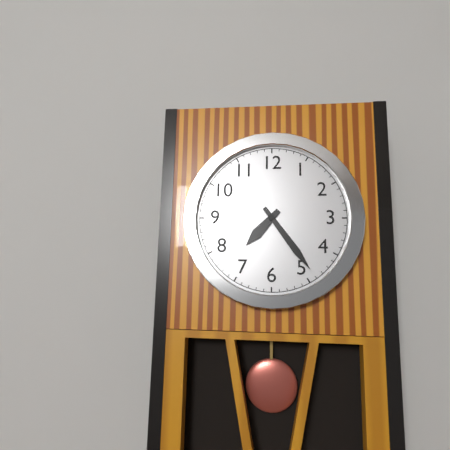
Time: h=7 m=24
